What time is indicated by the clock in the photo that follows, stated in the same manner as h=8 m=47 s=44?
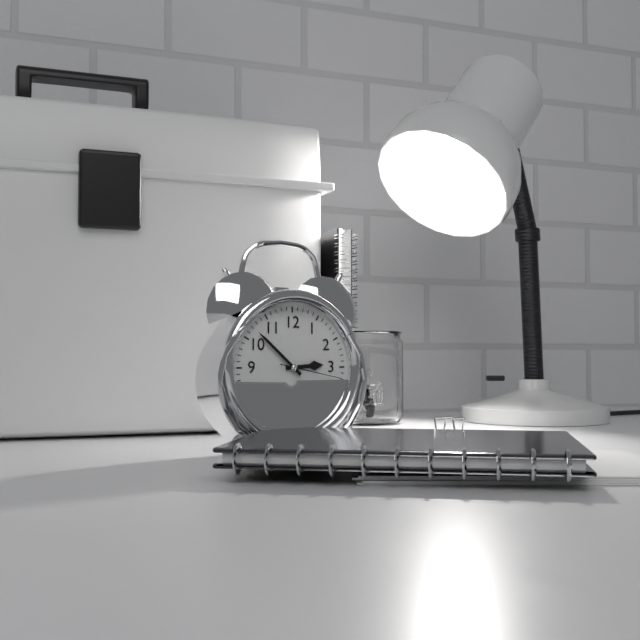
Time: h=2 m=52 s=17
